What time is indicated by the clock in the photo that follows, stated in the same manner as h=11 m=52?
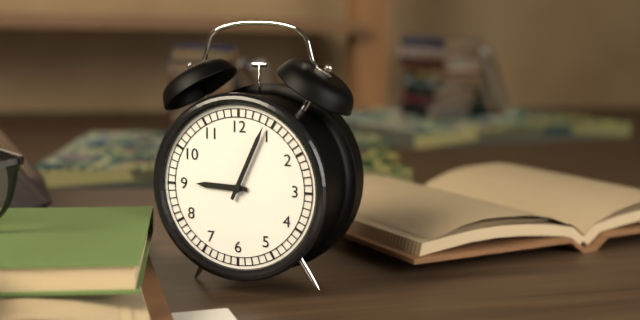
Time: h=9 m=4
